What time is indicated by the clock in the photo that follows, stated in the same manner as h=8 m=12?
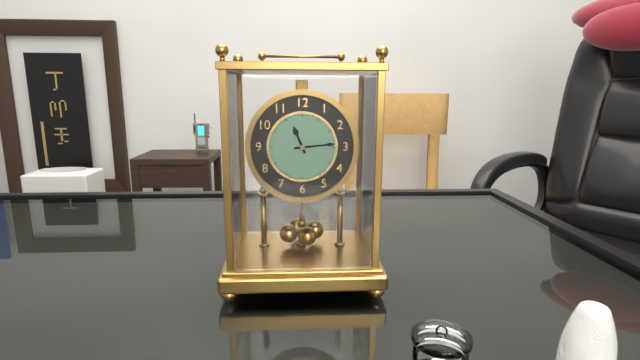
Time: h=11 m=14
